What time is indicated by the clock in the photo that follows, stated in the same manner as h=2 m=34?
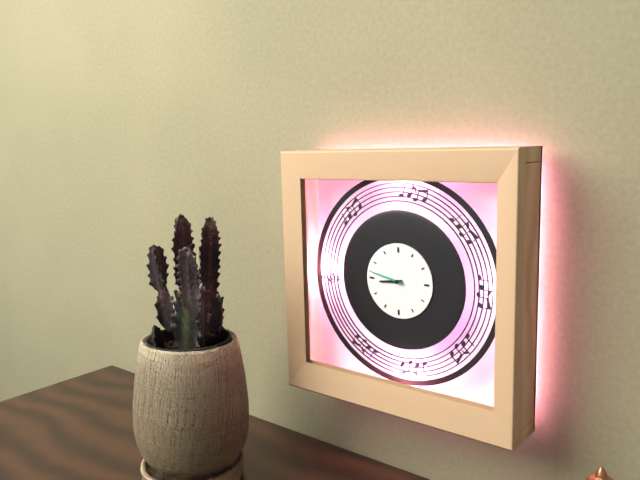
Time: h=8 m=47
